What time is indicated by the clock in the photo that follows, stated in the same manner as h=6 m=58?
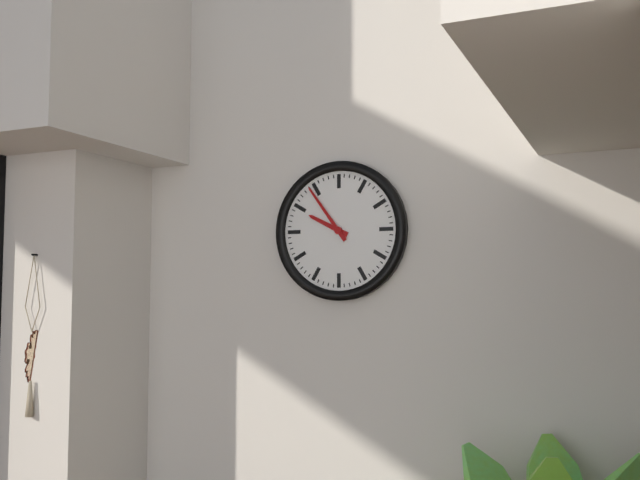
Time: h=9 m=54
